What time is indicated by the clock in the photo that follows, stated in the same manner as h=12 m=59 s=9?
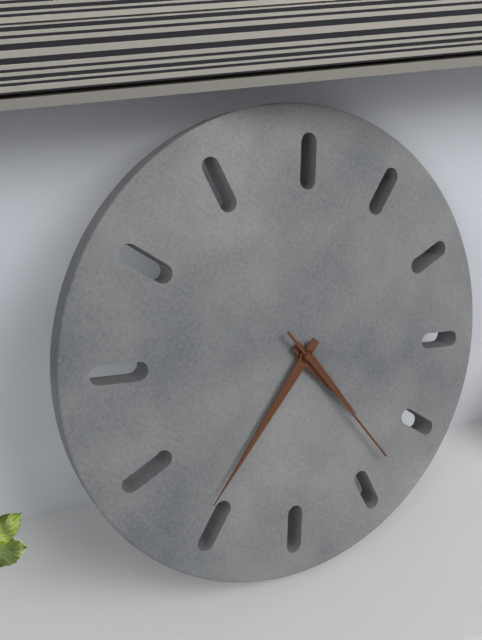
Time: h=3 m=31 s=18
